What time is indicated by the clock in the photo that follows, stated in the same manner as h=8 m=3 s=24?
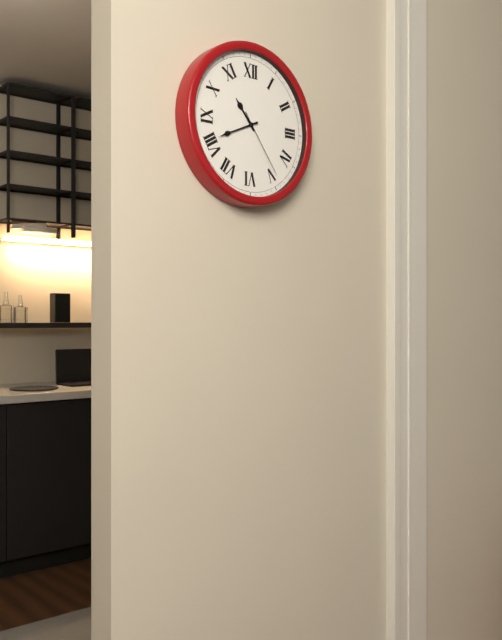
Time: h=10 m=41 s=24
